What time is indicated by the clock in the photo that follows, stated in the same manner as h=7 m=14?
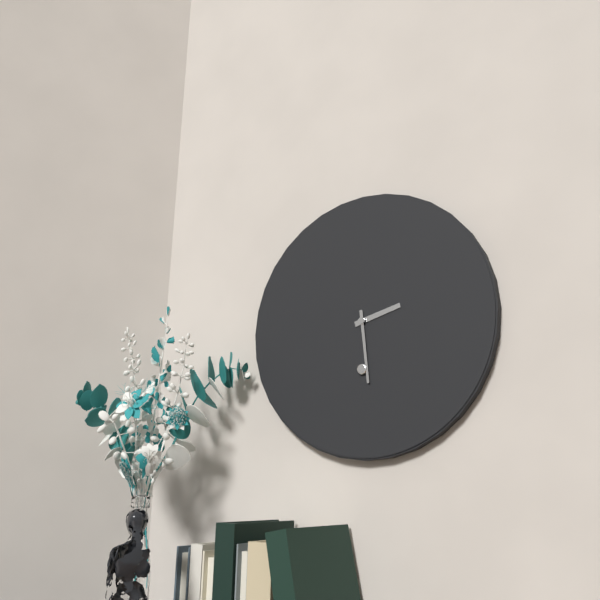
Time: h=2 m=29
